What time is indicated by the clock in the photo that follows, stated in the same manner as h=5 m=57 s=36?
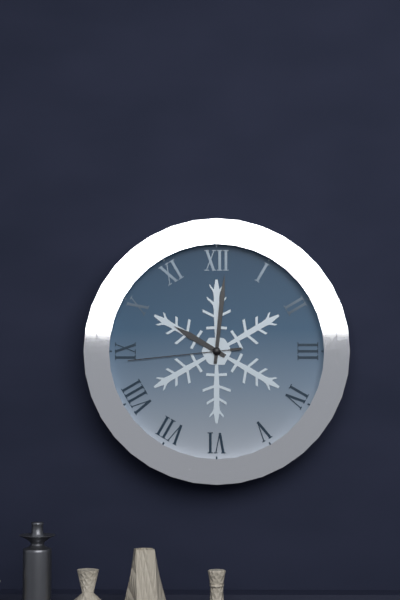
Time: h=10 m=1 s=44
